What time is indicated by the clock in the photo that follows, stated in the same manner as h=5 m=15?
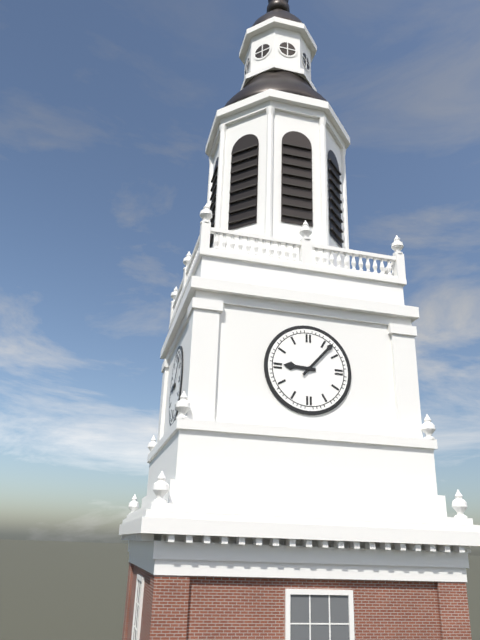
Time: h=9 m=7
